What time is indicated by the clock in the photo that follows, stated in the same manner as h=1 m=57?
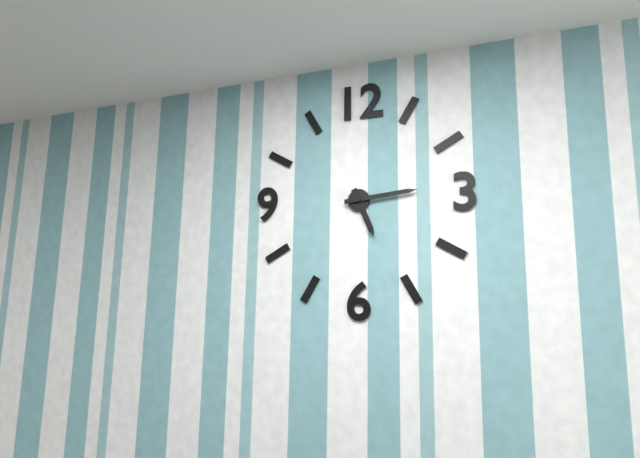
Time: h=5 m=14
